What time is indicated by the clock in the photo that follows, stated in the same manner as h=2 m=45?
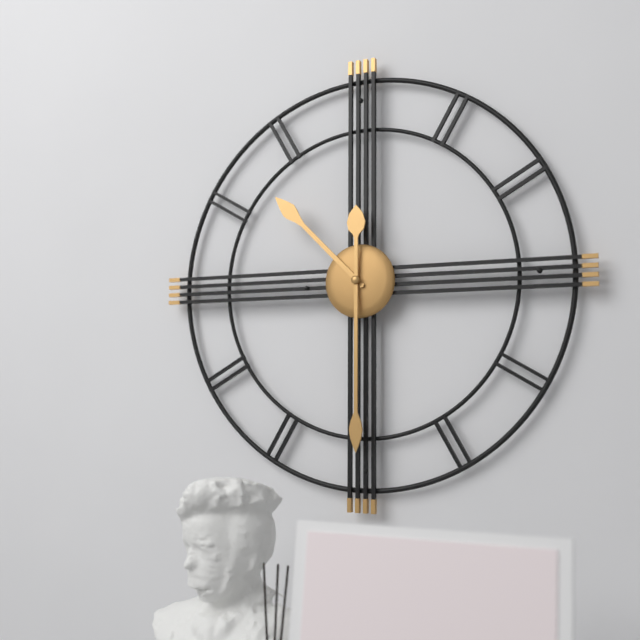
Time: h=10 m=30
